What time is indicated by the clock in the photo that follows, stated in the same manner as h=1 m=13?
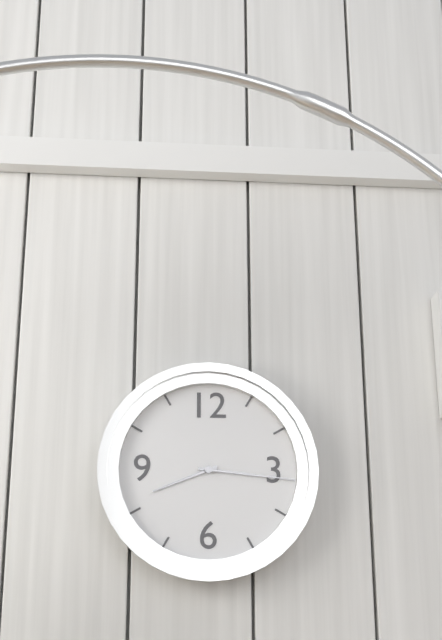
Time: h=8 m=16
